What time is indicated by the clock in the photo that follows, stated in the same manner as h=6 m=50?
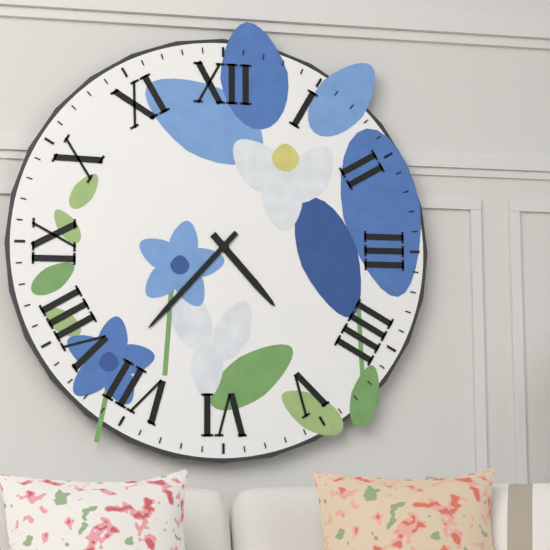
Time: h=4 m=37
